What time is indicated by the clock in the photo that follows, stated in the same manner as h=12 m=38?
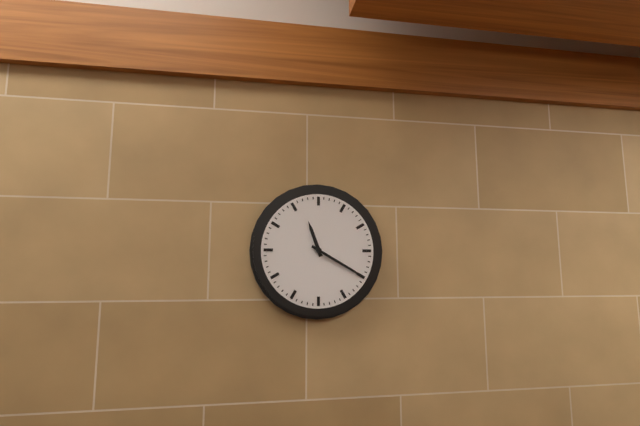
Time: h=11 m=20
